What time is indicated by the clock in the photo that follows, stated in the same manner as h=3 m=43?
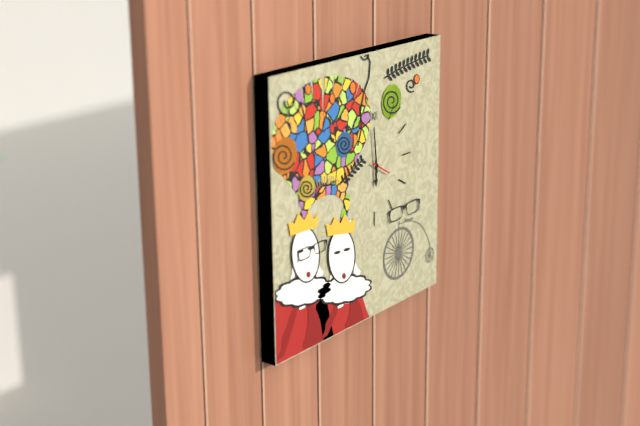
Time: h=5 m=59
